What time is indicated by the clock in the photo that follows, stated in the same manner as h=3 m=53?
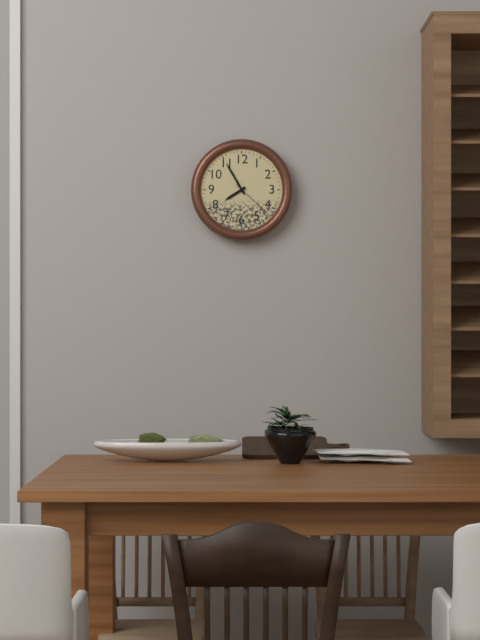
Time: h=7 m=55
